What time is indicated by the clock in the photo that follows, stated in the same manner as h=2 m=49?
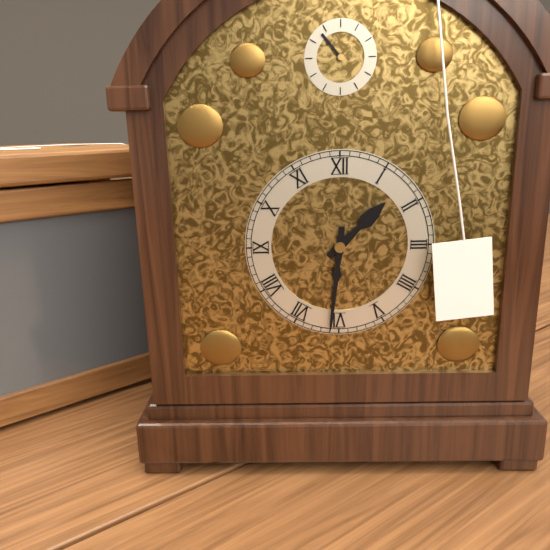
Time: h=1 m=31
